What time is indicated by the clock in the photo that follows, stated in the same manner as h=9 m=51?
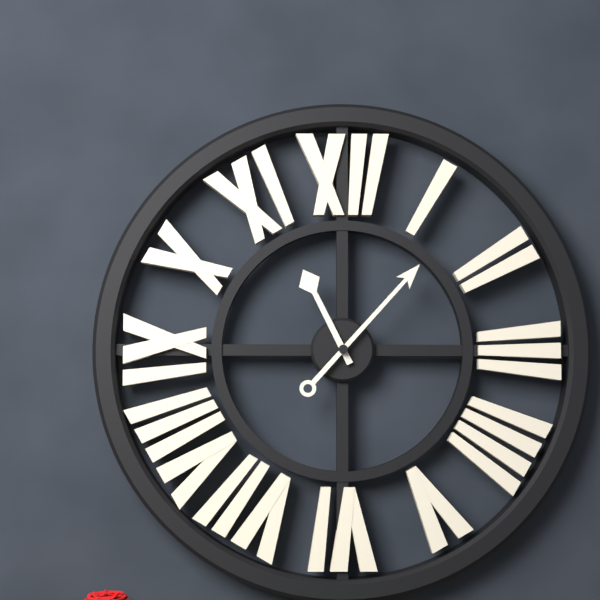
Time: h=11 m=7
